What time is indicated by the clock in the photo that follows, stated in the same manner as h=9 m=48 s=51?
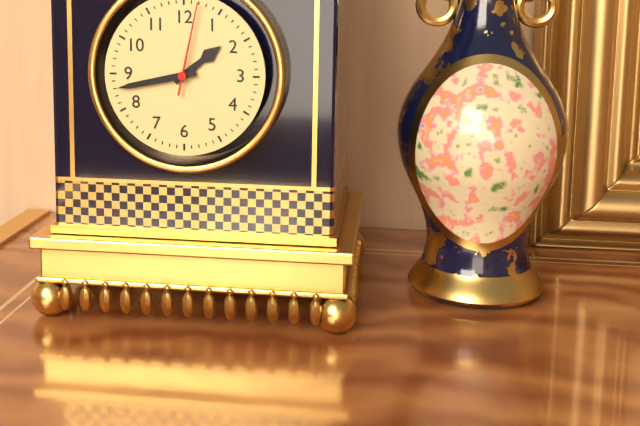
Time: h=1 m=43 s=2
